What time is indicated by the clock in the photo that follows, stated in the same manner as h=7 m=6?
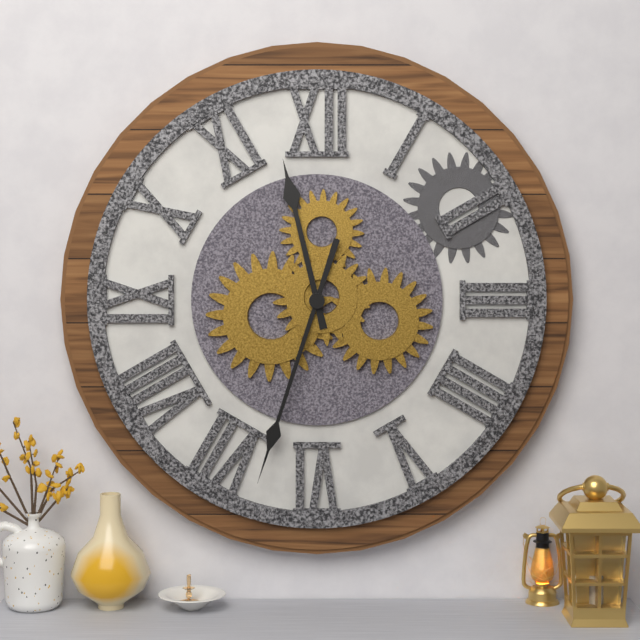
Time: h=11 m=33
